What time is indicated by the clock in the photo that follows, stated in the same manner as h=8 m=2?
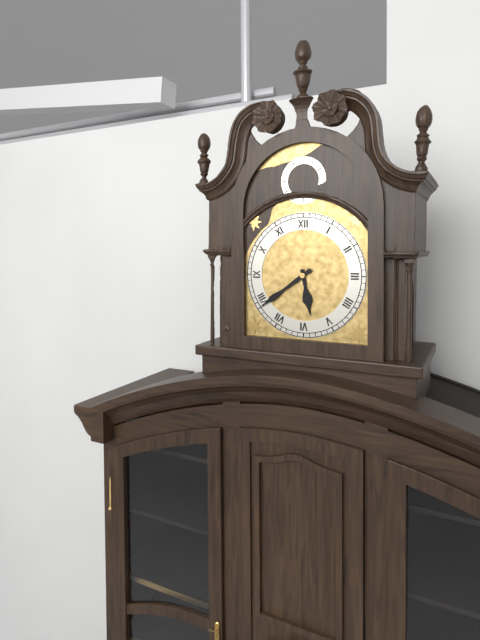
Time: h=5 m=39
